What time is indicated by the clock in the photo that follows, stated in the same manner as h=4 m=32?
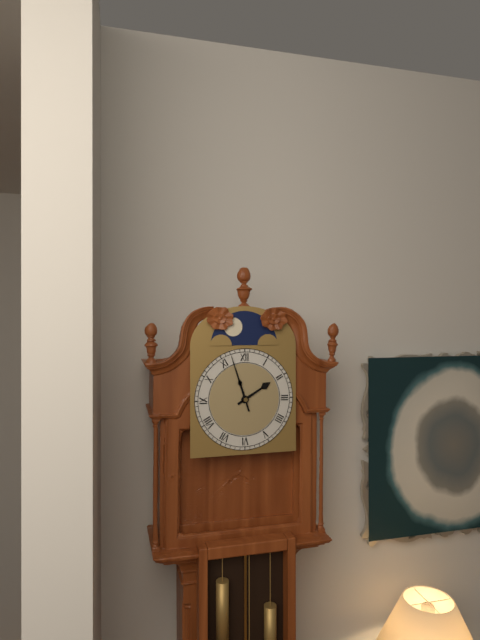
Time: h=1 m=57
